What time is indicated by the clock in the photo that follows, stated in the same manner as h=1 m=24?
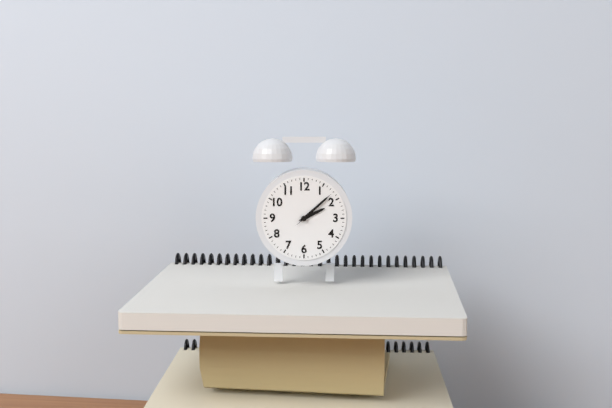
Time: h=2 m=8
